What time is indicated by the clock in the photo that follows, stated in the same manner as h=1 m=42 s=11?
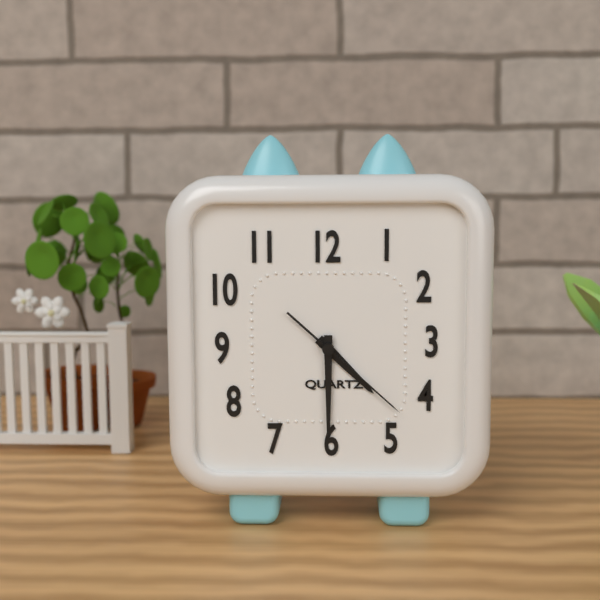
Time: h=4 m=30 s=22
